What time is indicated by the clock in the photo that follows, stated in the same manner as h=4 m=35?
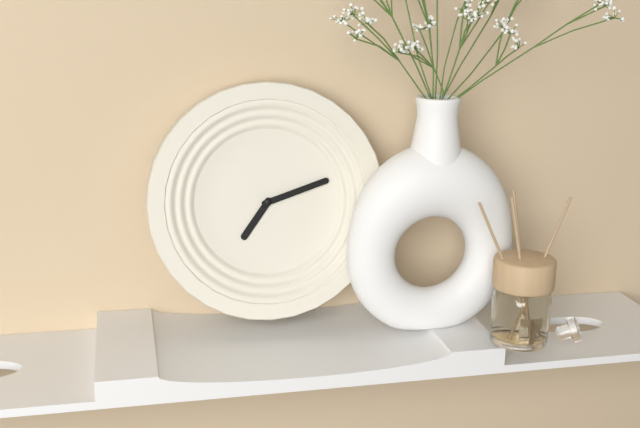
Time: h=7 m=12
